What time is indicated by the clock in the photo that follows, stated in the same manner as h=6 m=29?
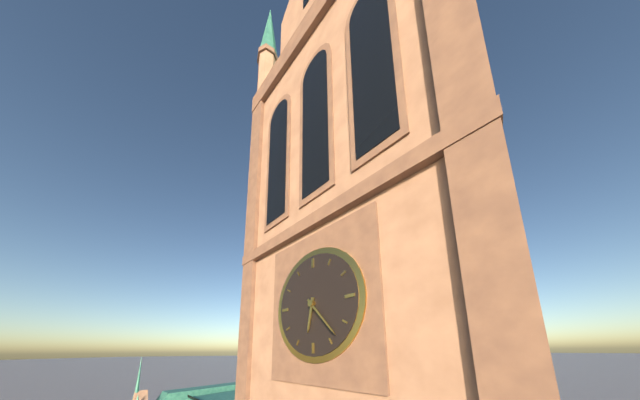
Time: h=6 m=23
